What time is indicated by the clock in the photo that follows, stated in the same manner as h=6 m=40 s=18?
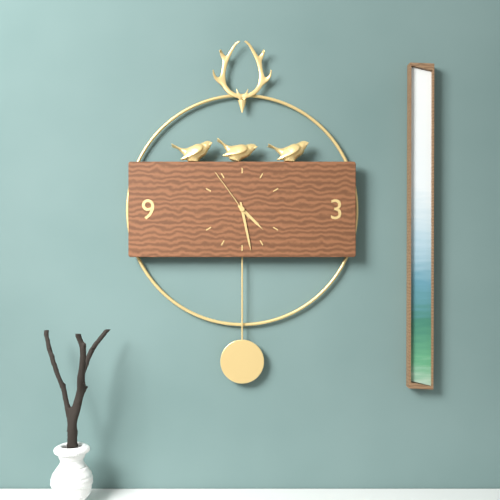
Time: h=4 m=28 s=54
